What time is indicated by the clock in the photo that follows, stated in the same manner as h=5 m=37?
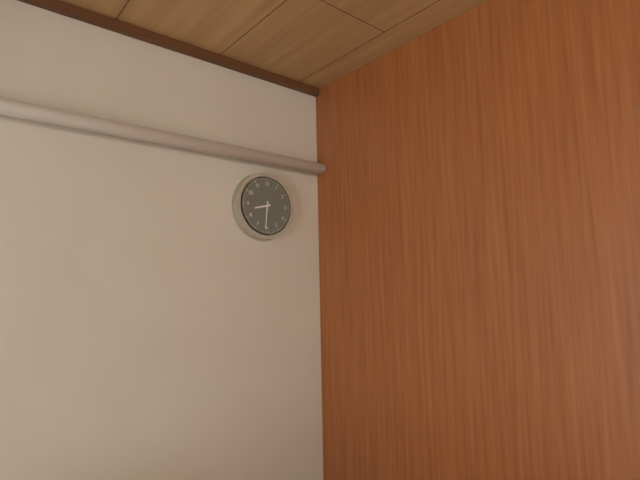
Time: h=8 m=31
